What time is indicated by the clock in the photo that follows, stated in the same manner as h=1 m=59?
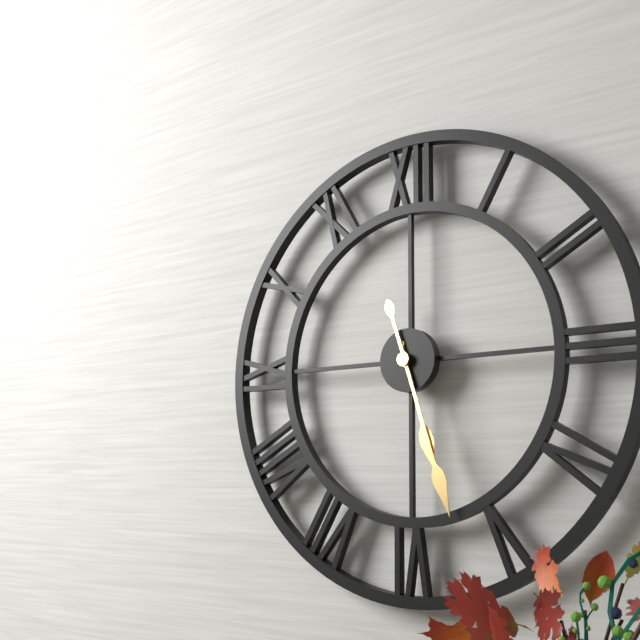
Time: h=5 m=27
